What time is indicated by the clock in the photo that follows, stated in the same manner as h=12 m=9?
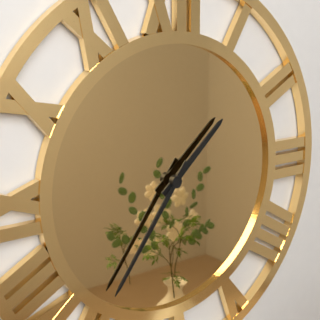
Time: h=1 m=36
